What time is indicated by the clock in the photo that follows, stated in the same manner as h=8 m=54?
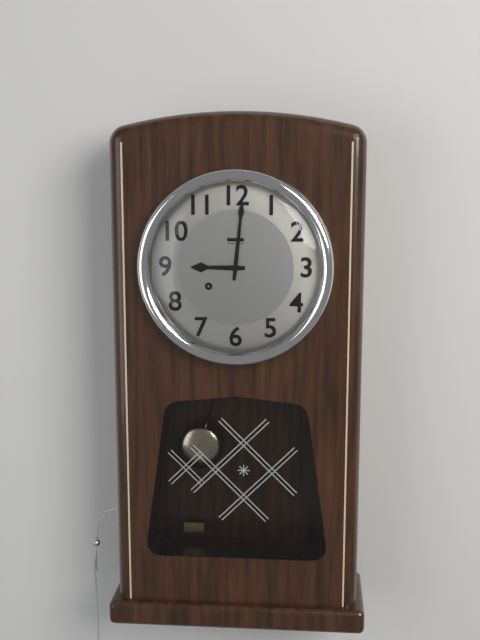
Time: h=9 m=1
